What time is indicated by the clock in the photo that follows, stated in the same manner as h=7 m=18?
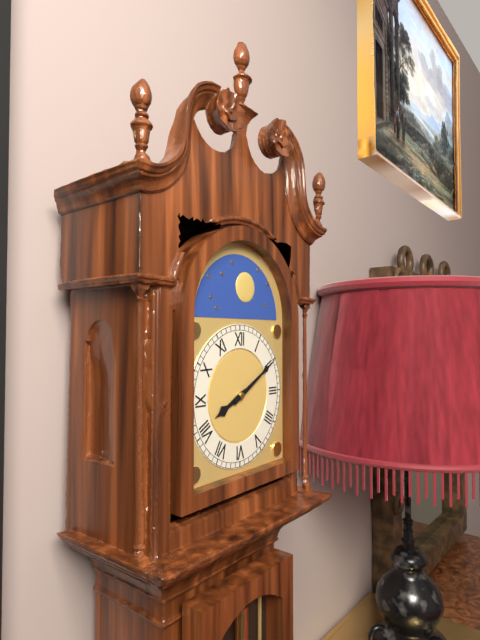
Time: h=8 m=10
